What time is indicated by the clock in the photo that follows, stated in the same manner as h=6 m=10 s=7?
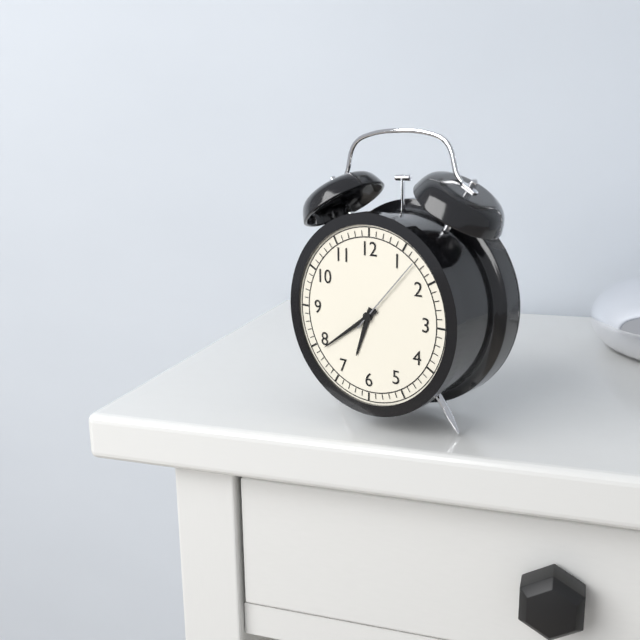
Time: h=6 m=39 s=7
